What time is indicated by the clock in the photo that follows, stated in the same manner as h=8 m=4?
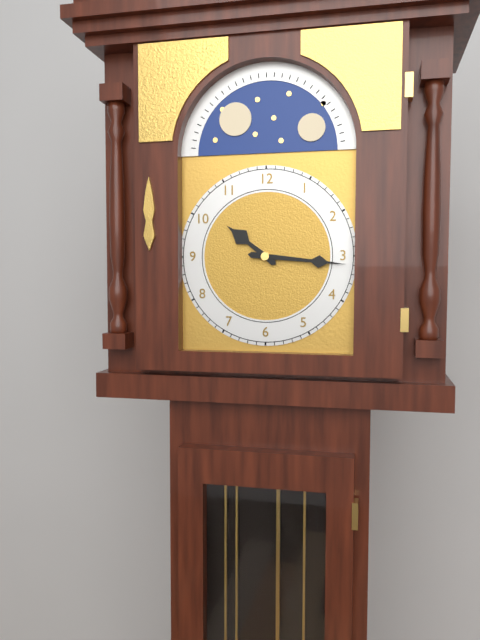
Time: h=10 m=16
